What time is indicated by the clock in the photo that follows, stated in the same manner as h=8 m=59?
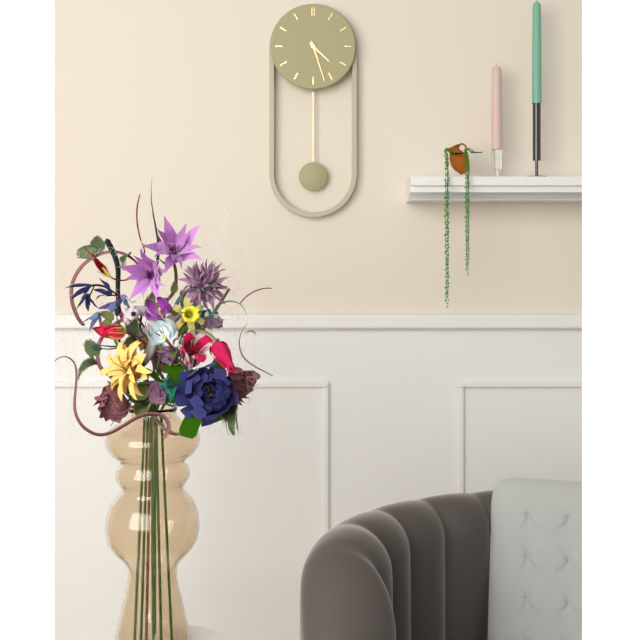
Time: h=4 m=27
